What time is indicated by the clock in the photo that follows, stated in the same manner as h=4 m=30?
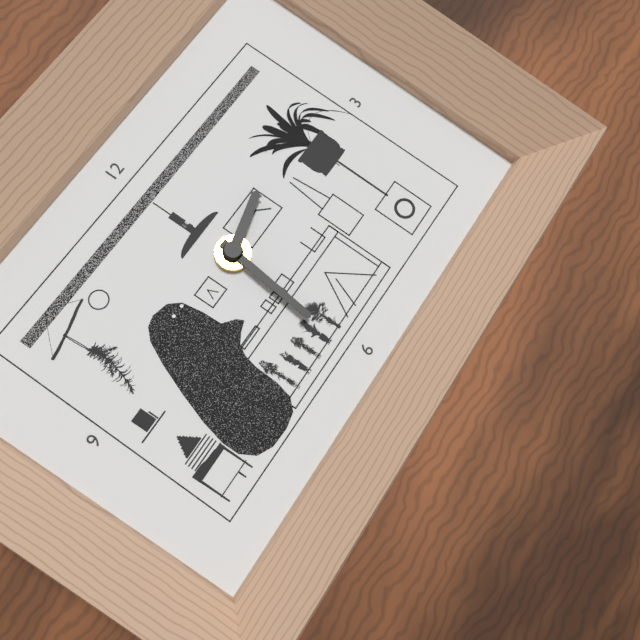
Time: h=2 m=31
